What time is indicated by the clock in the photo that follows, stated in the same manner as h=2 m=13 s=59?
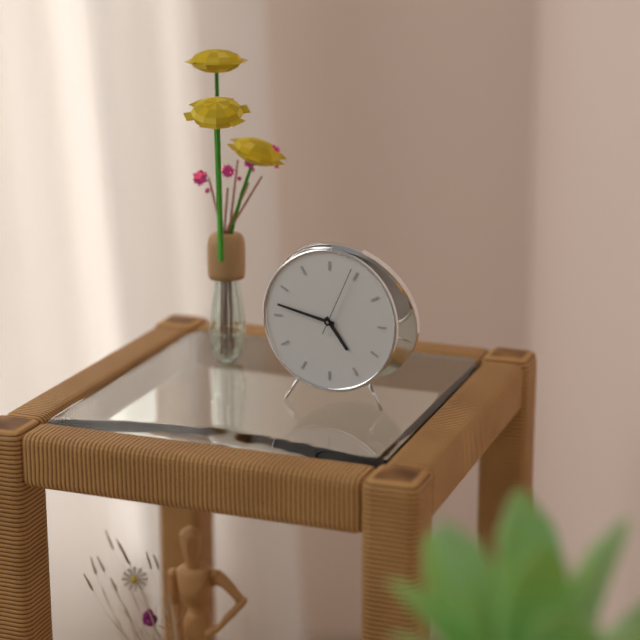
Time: h=4 m=47 s=4
